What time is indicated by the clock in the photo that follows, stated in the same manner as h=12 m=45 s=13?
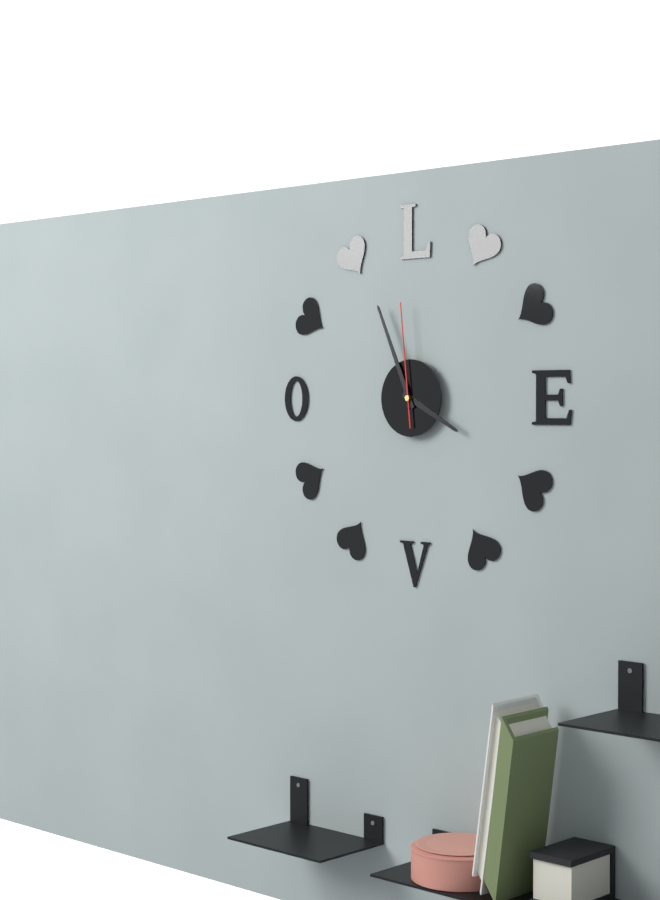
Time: h=3 m=56 s=59
